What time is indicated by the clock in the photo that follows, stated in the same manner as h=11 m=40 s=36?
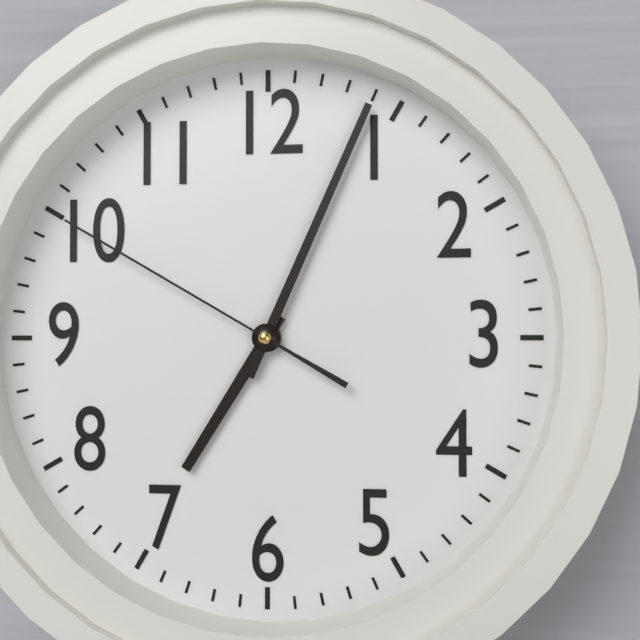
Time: h=7 m=4 s=50
